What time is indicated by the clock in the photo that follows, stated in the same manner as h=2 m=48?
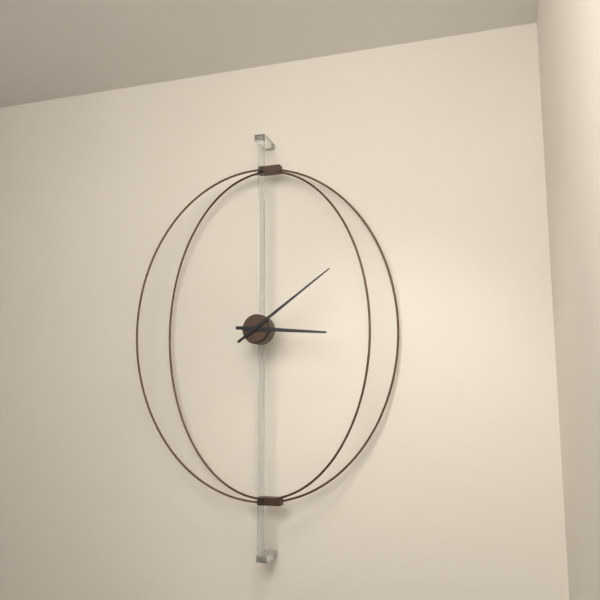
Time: h=3 m=9
